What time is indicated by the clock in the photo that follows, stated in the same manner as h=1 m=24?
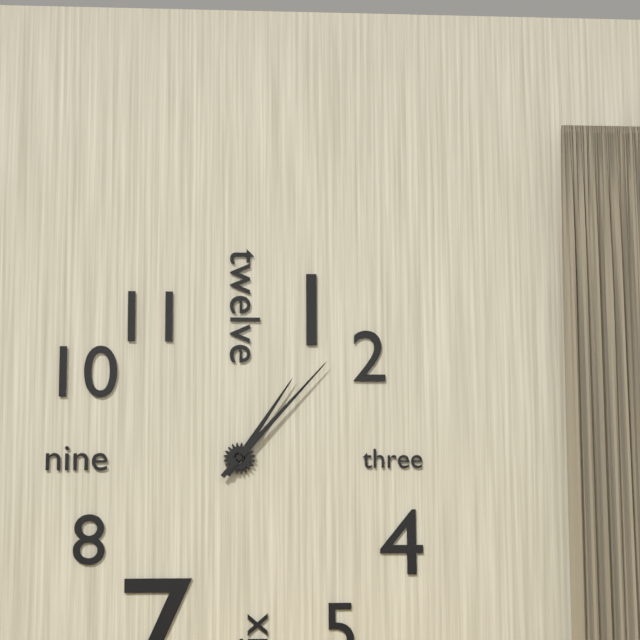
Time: h=1 m=7
